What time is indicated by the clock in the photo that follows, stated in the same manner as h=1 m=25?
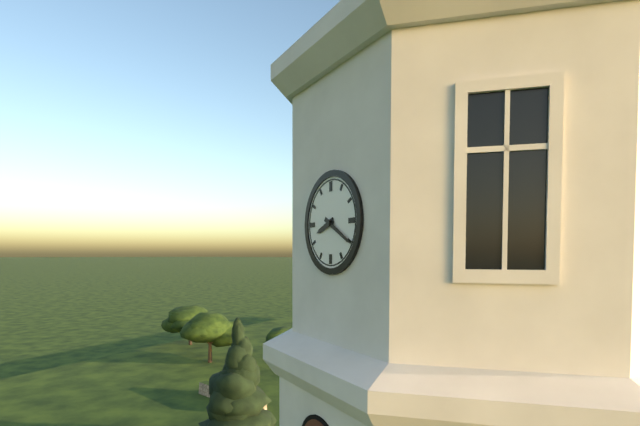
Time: h=8 m=20
